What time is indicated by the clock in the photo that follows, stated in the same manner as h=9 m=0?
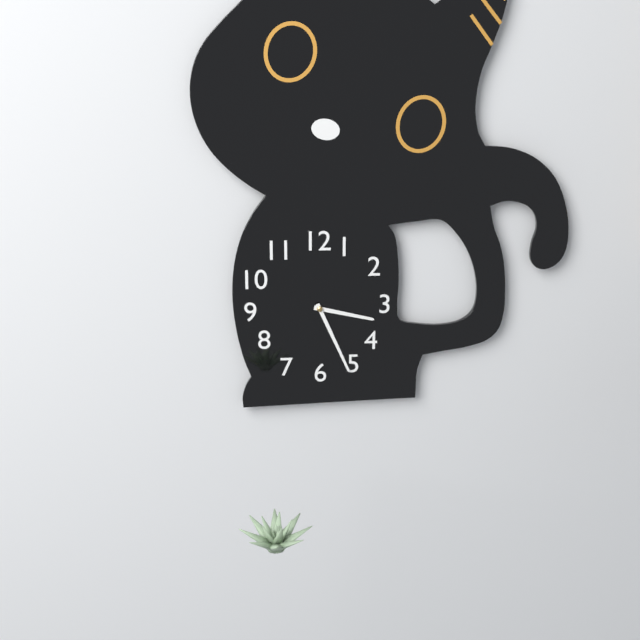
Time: h=3 m=26
